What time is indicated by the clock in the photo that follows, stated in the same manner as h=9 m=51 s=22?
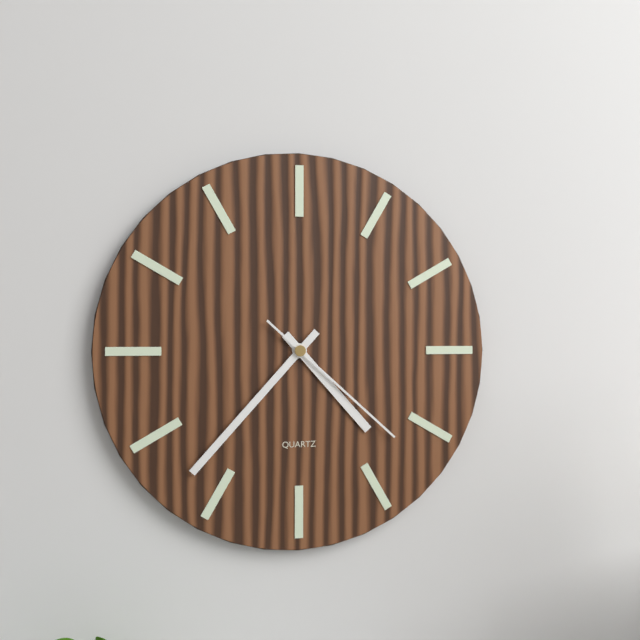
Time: h=4 m=37 s=22
